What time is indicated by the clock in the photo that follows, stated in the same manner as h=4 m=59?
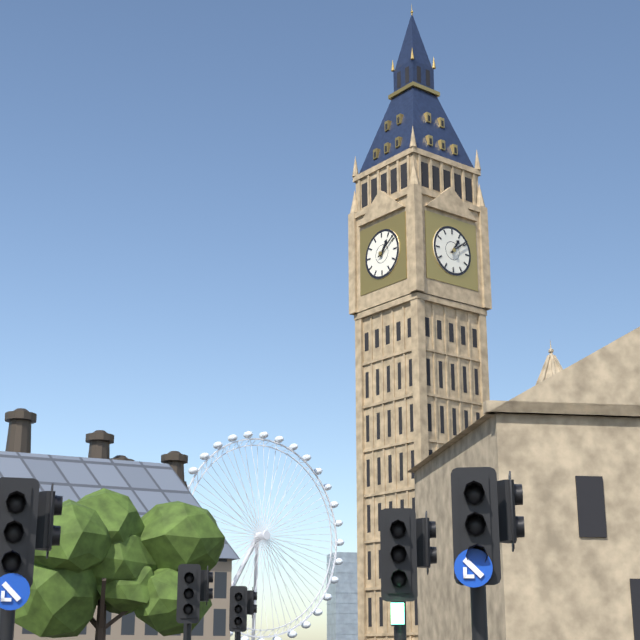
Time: h=1 m=9
